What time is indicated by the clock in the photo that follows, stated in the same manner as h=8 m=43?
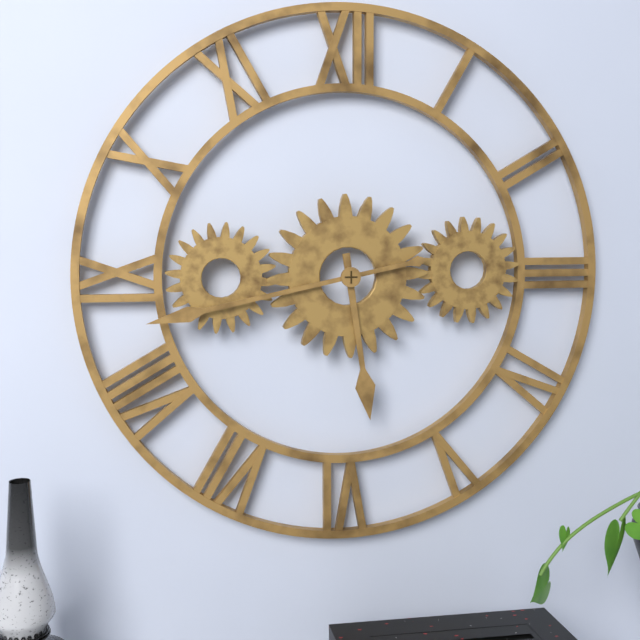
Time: h=5 m=43
